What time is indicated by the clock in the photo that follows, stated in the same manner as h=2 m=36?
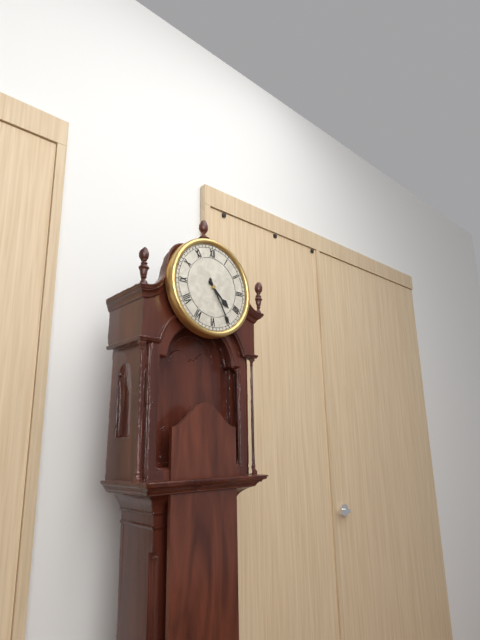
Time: h=4 m=25
